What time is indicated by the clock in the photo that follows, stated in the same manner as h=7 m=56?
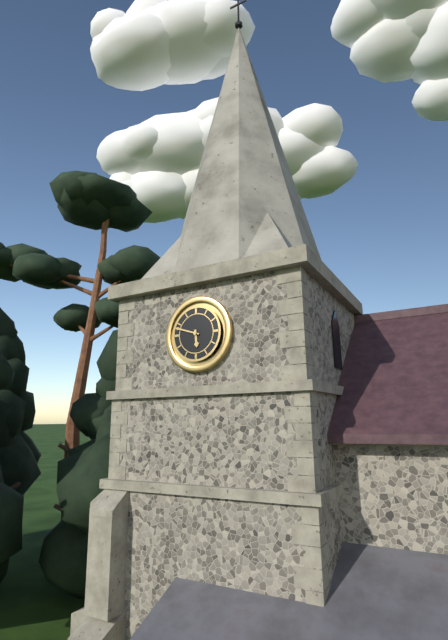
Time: h=5 m=48
